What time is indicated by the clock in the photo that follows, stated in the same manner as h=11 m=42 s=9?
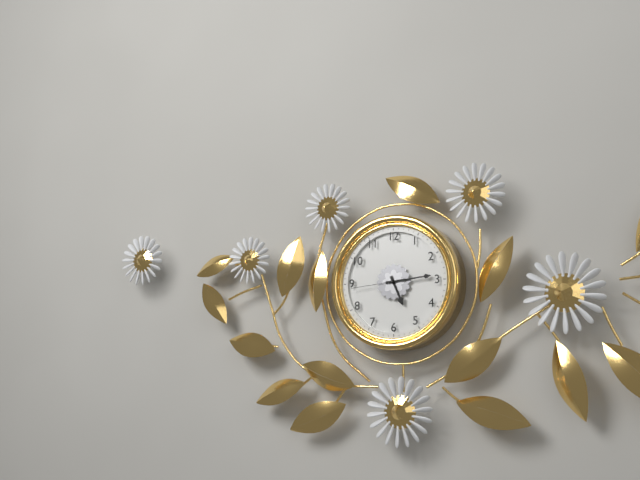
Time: h=5 m=14 s=44
